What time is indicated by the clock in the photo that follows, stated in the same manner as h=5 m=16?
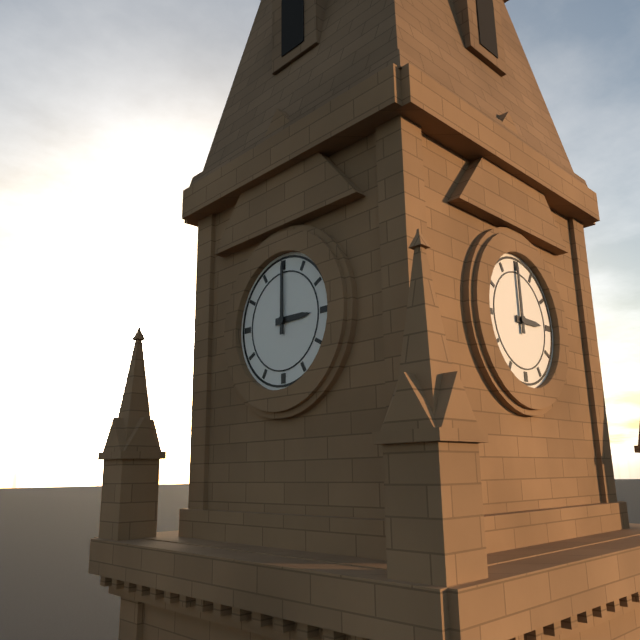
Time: h=3 m=0
